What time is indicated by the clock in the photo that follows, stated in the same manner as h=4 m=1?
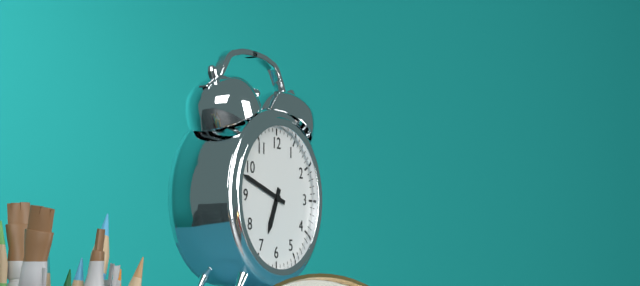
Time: h=6 m=48
